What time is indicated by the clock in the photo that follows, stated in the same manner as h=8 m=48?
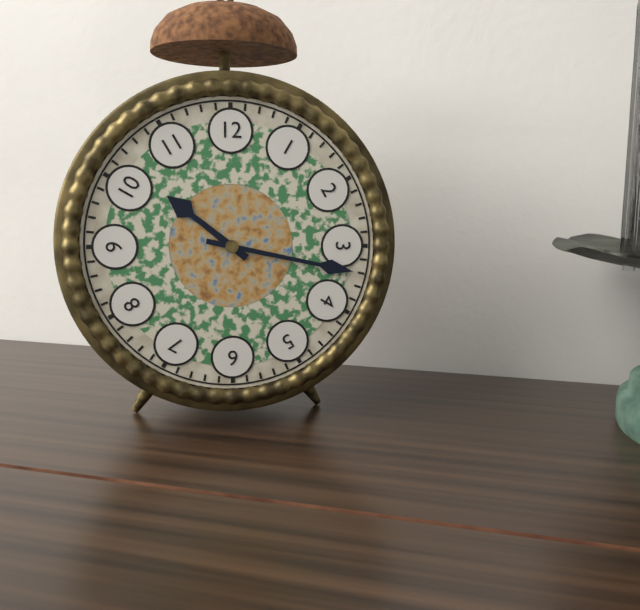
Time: h=10 m=17
